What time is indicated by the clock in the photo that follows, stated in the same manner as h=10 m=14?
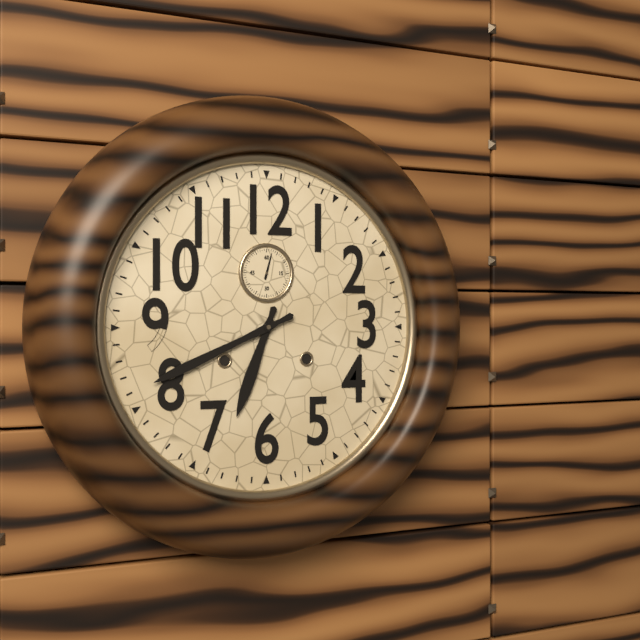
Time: h=6 m=41
